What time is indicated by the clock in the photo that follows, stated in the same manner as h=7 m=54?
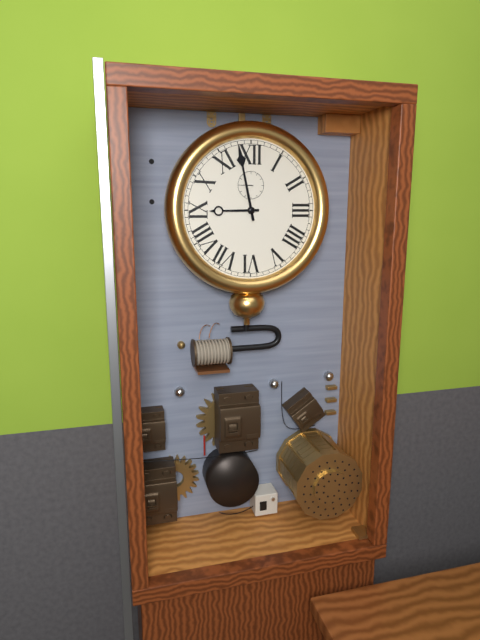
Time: h=8 m=58
